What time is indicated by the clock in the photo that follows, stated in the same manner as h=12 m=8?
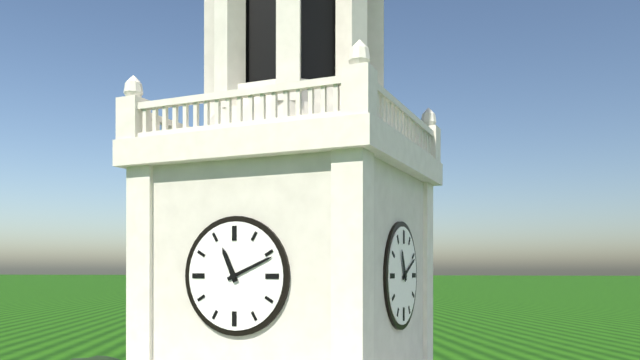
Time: h=11 m=11
